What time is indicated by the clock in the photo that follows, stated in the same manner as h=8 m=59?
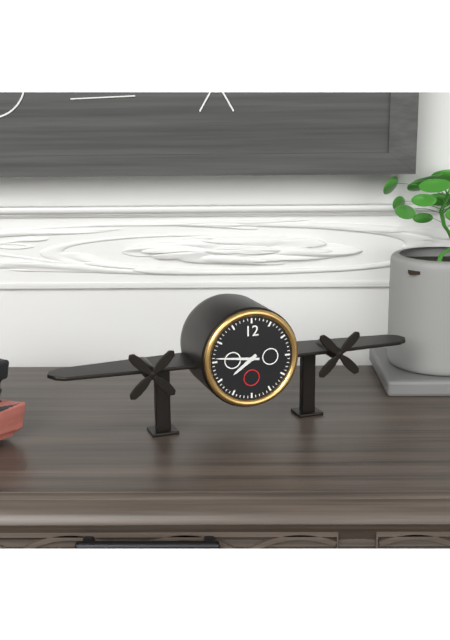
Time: h=7 m=46
